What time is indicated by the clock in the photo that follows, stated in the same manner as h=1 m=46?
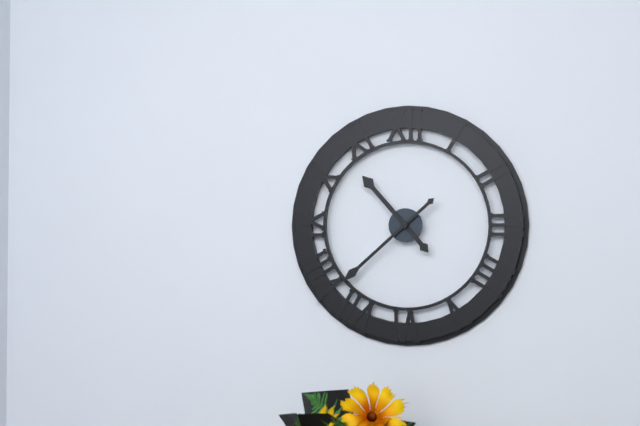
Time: h=10 m=38
